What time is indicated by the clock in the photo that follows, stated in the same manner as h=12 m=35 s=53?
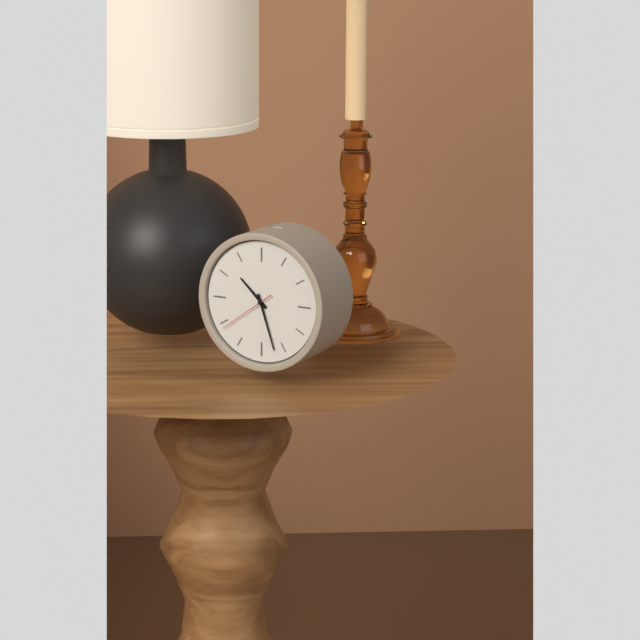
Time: h=10 m=27 s=39
